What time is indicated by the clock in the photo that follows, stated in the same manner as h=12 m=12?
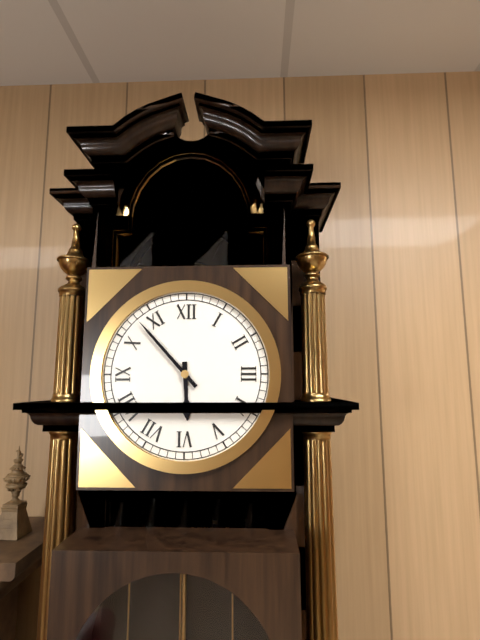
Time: h=5 m=53
